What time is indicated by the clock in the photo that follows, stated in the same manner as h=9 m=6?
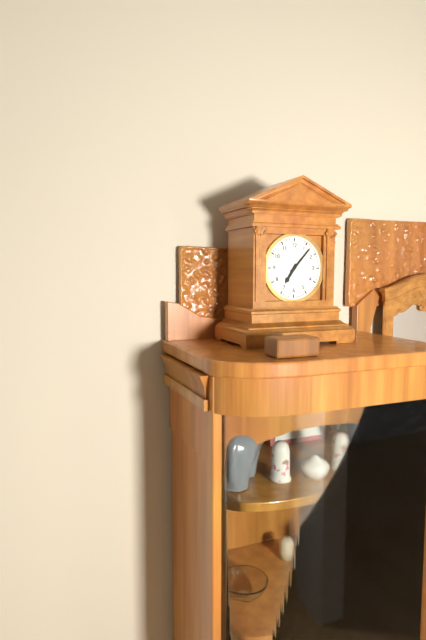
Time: h=7 m=7
